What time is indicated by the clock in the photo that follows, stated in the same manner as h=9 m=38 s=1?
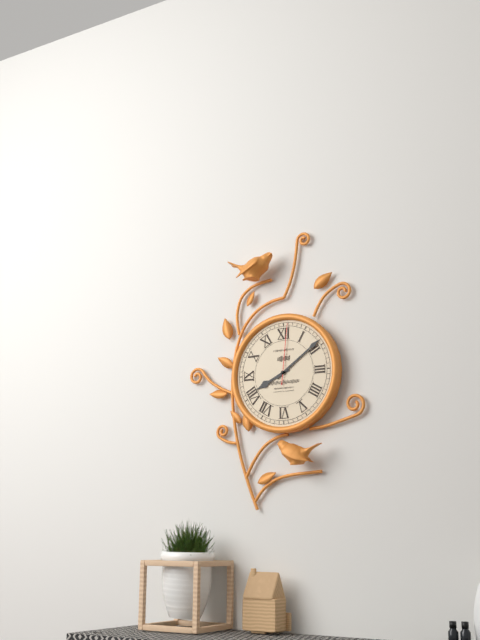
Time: h=8 m=9 s=1
